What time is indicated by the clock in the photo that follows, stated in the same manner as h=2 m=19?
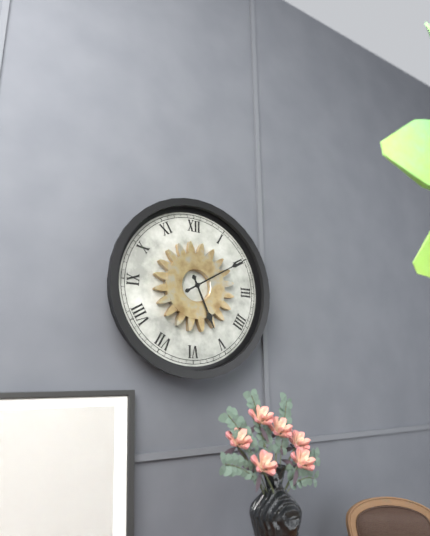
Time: h=5 m=10
